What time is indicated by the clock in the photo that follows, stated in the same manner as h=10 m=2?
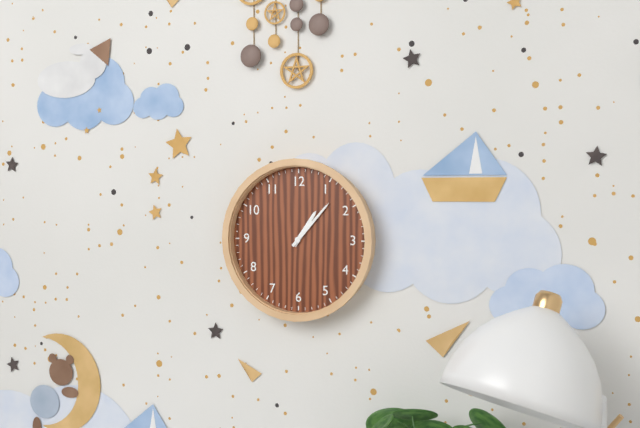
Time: h=1 m=7
